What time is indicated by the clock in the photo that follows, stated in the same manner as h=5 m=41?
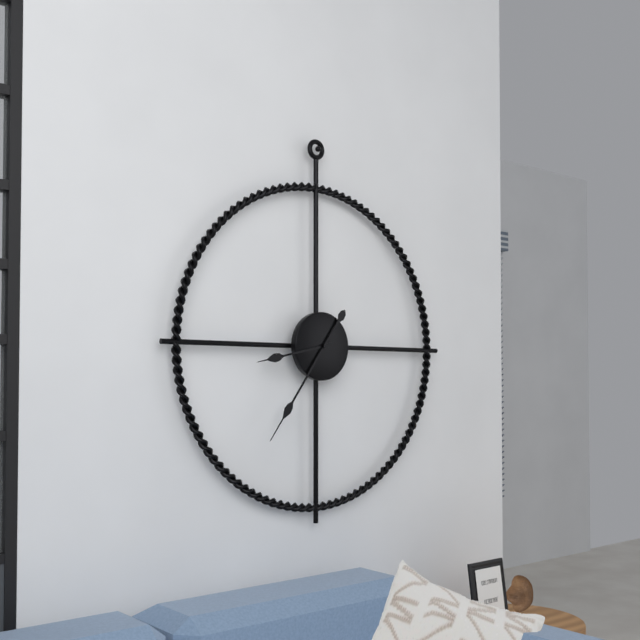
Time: h=8 m=36
